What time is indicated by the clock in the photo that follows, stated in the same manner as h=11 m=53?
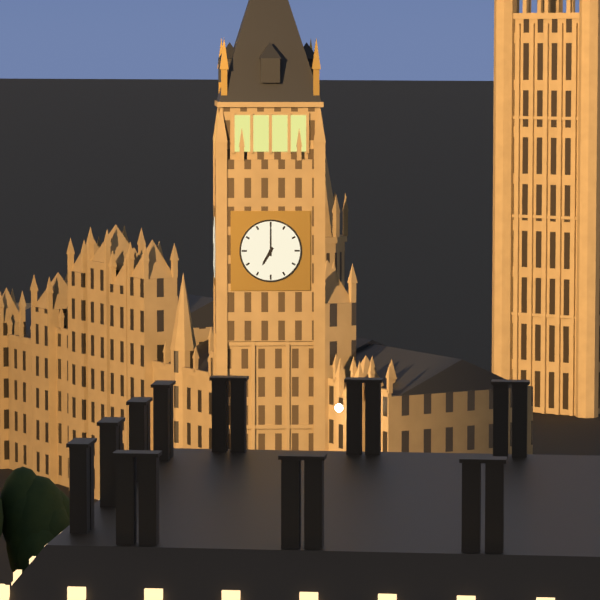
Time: h=7 m=0
